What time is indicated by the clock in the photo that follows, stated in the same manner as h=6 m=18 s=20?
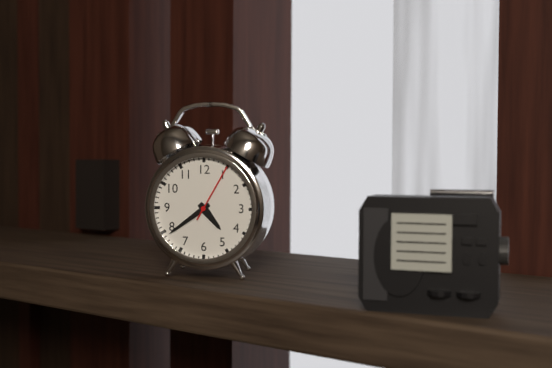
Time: h=4 m=39 s=5
